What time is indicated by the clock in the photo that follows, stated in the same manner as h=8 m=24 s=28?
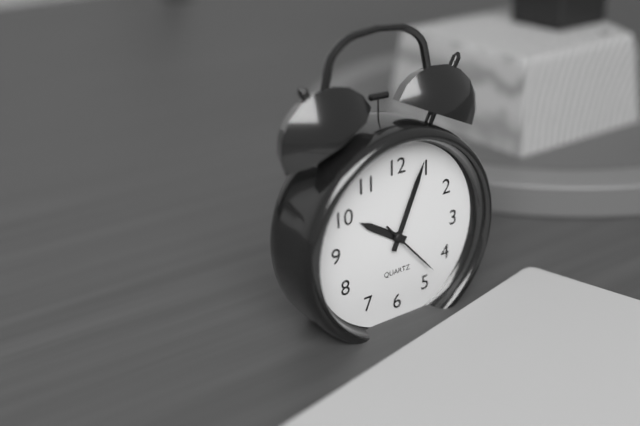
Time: h=10 m=4 s=23
